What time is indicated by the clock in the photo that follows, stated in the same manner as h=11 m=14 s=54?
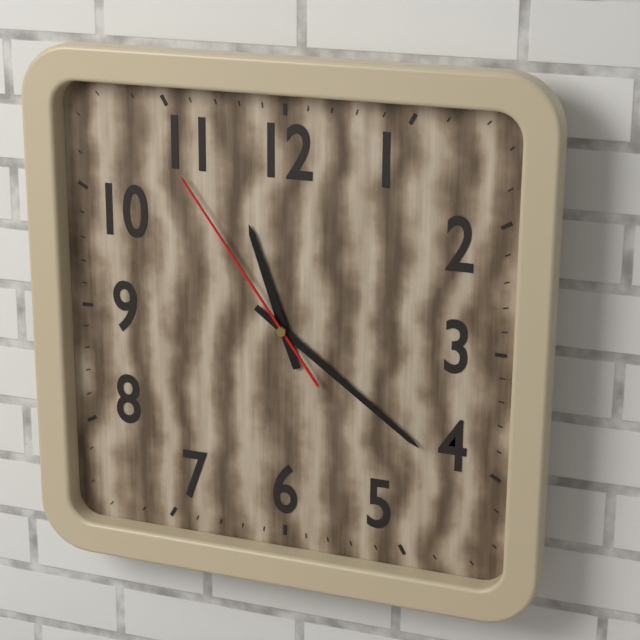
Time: h=11 m=21 s=54
